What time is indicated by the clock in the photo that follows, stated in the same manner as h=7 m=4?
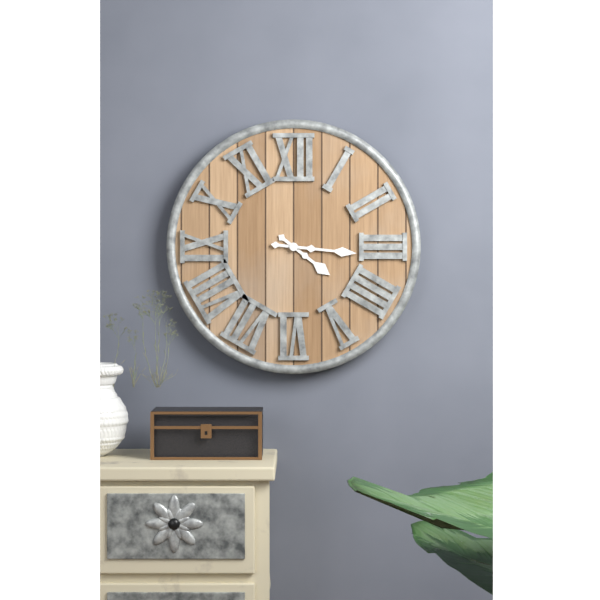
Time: h=4 m=16
